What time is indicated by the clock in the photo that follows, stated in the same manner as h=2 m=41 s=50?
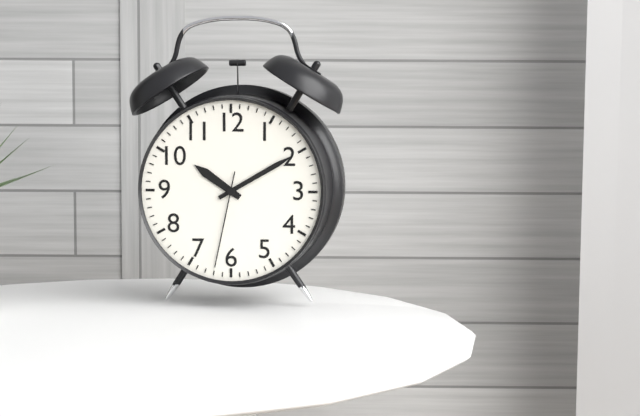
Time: h=10 m=10 s=32
